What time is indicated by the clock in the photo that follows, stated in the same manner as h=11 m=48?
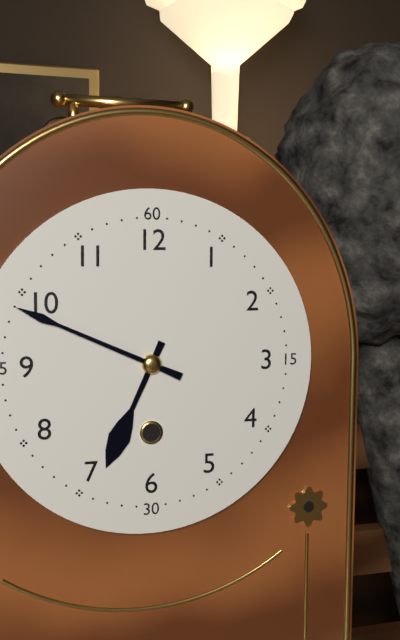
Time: h=6 m=49
